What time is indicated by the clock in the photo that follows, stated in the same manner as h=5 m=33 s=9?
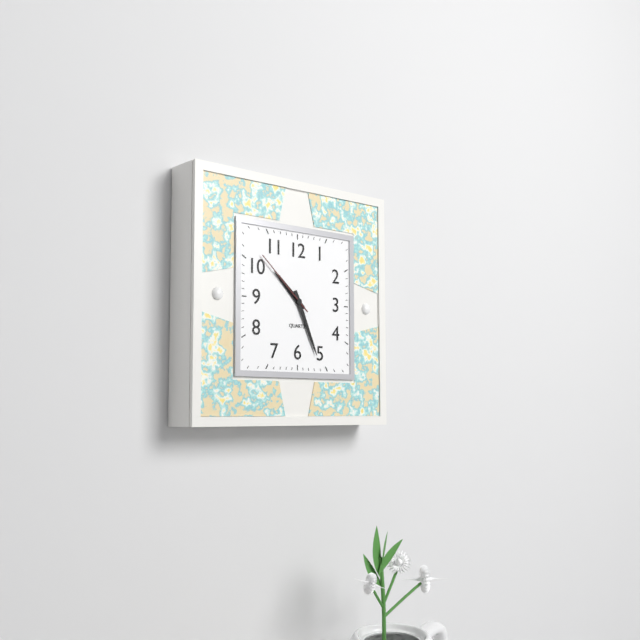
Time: h=10 m=26 s=52
